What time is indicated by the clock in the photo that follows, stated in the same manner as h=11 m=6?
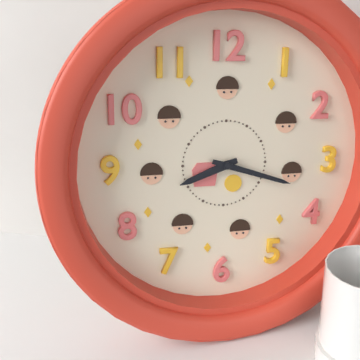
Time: h=8 m=18
